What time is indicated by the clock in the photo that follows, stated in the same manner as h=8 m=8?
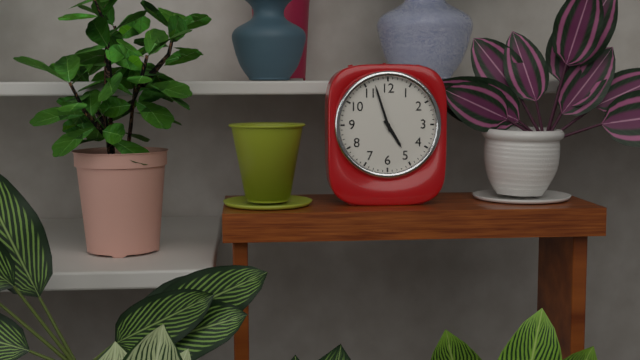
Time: h=4 m=57
